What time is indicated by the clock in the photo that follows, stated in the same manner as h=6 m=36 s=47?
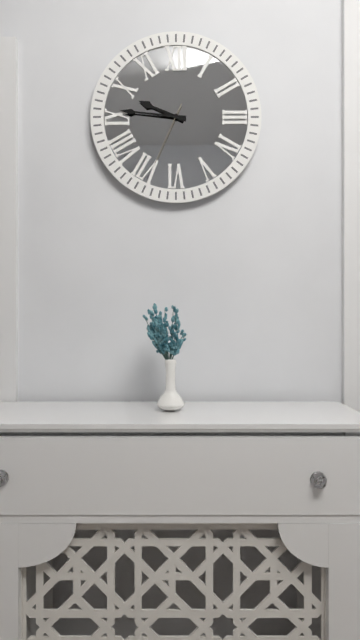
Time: h=9 m=46 s=34
